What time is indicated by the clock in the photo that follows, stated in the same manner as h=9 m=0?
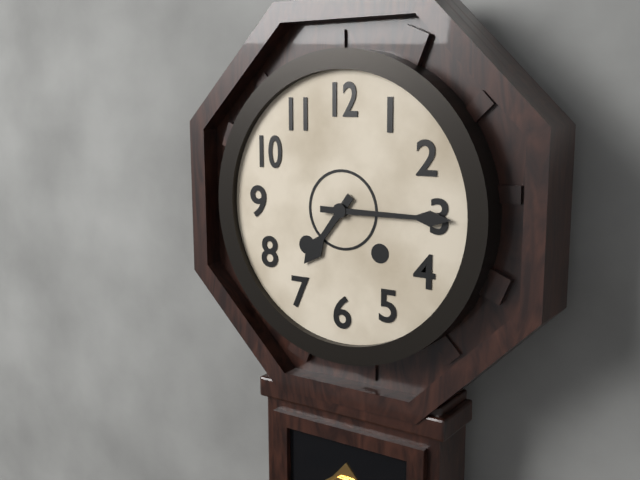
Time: h=7 m=15
